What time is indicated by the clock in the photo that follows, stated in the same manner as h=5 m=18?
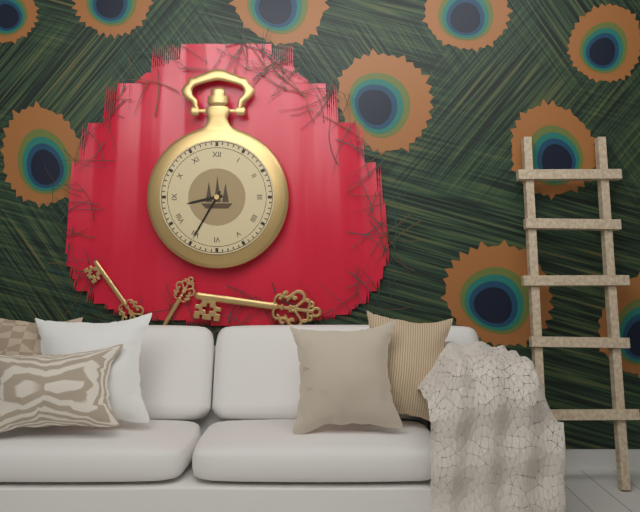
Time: h=8 m=35
